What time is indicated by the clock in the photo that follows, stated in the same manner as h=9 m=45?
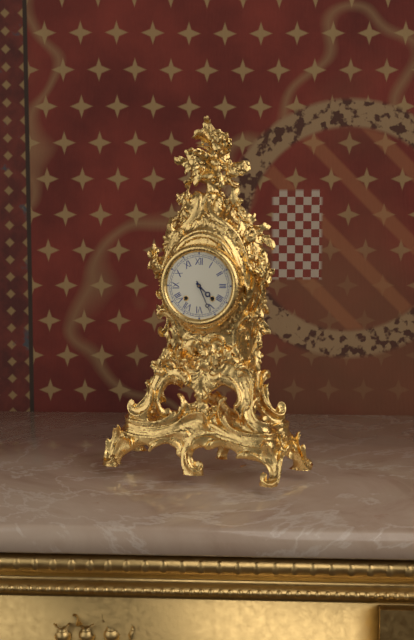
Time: h=4 m=26
